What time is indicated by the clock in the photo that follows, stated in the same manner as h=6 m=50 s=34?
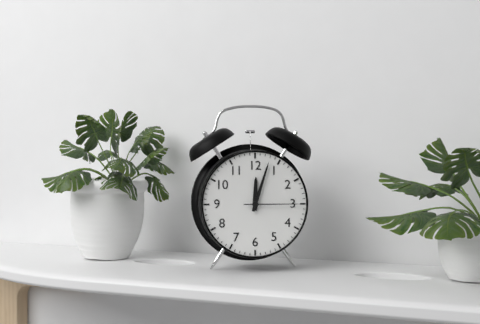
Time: h=12 m=3 s=15
